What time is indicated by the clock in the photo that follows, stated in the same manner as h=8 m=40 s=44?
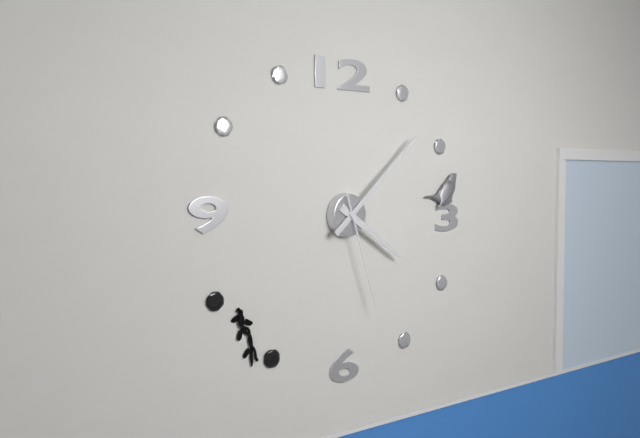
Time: h=4 m=8 s=27
